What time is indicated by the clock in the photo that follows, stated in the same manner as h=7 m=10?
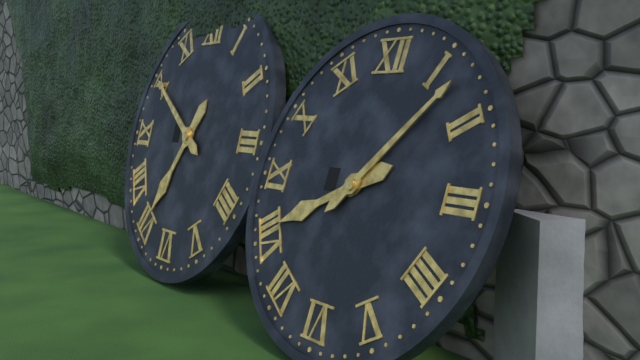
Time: h=8 m=7
